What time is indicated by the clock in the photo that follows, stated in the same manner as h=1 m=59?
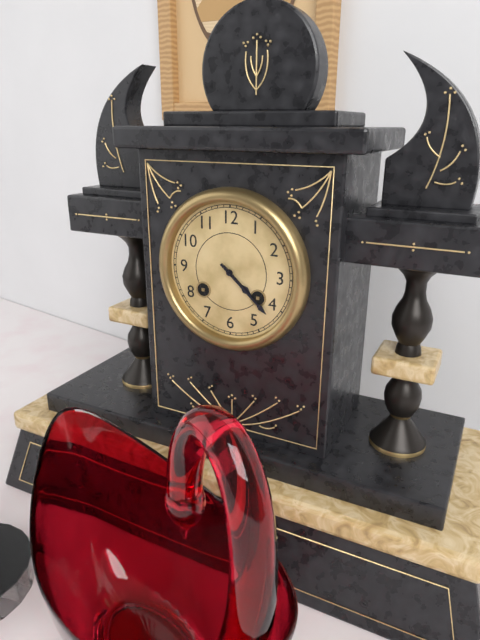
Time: h=4 m=22
